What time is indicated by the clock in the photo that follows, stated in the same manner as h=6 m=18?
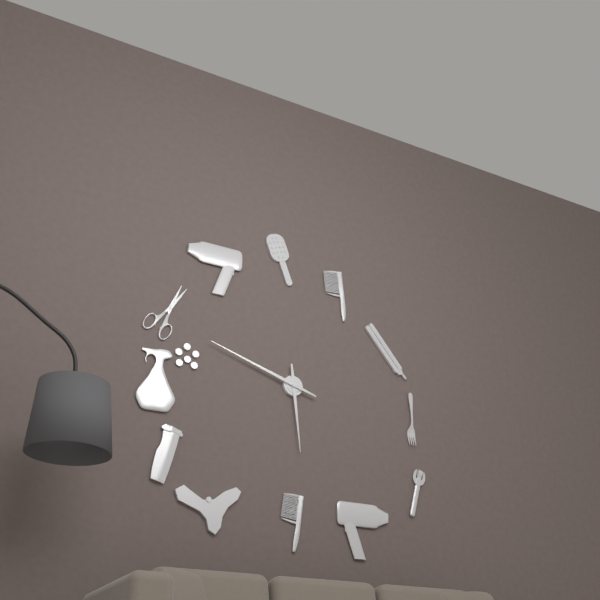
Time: h=5 m=48
